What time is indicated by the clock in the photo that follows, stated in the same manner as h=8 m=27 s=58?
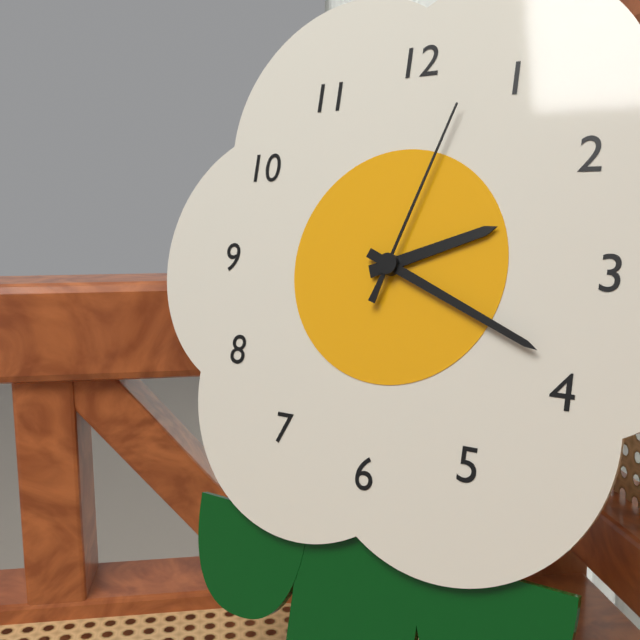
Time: h=2 m=19 s=3
